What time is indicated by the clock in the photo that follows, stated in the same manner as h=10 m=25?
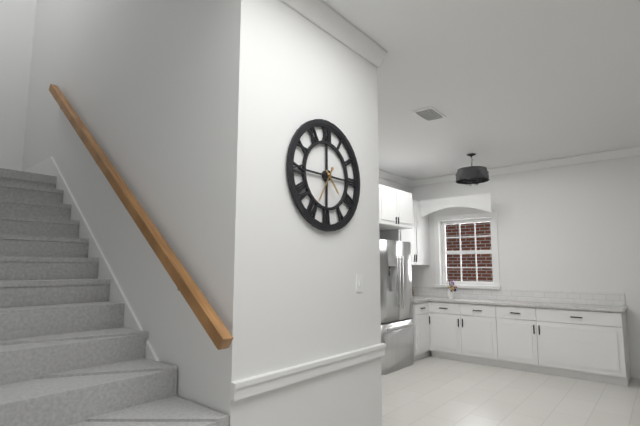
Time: h=4 m=35
